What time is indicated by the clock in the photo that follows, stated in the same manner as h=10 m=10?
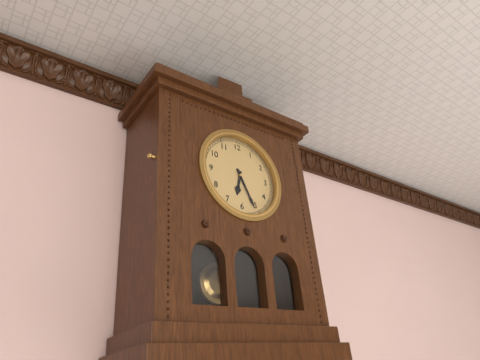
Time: h=6 m=26
